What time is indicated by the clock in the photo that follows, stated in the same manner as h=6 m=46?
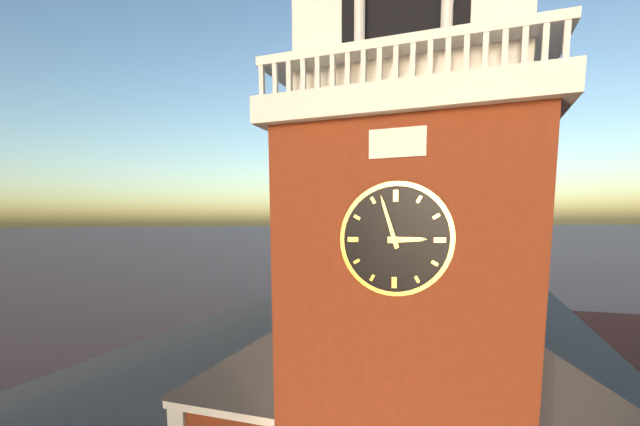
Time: h=2 m=57
